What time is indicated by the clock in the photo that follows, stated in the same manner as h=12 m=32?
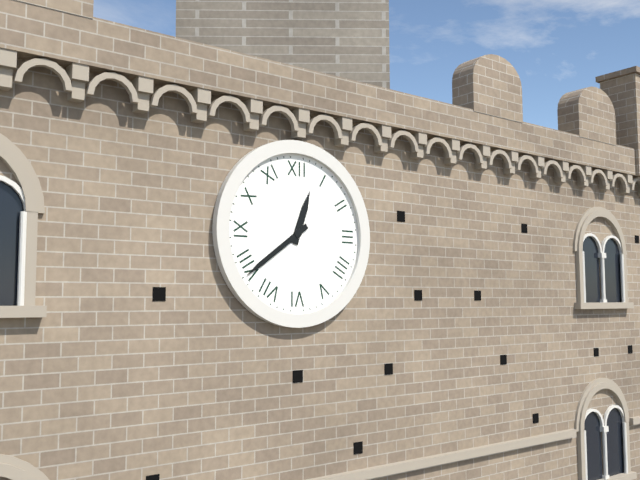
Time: h=12 m=39
